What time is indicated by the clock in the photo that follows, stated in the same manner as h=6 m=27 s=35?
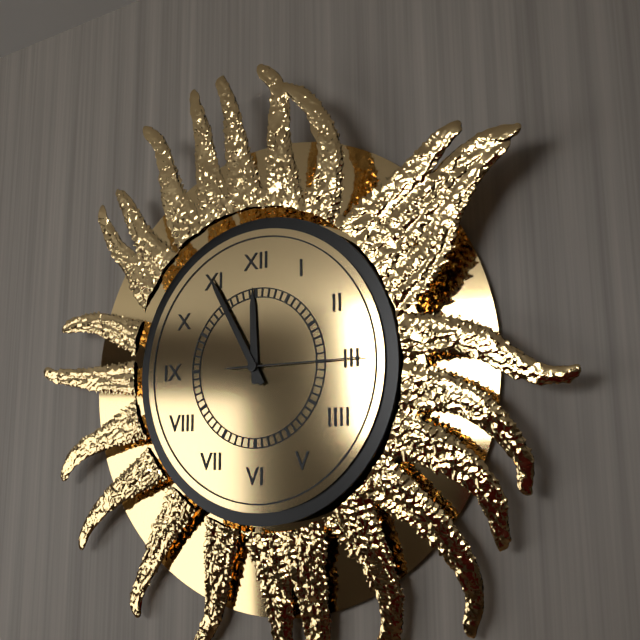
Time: h=11 m=55 s=15
